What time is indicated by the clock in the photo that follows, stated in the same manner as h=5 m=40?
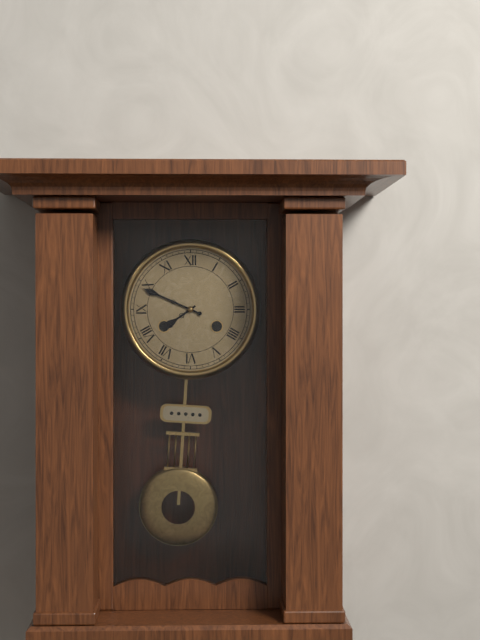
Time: h=7 m=49
